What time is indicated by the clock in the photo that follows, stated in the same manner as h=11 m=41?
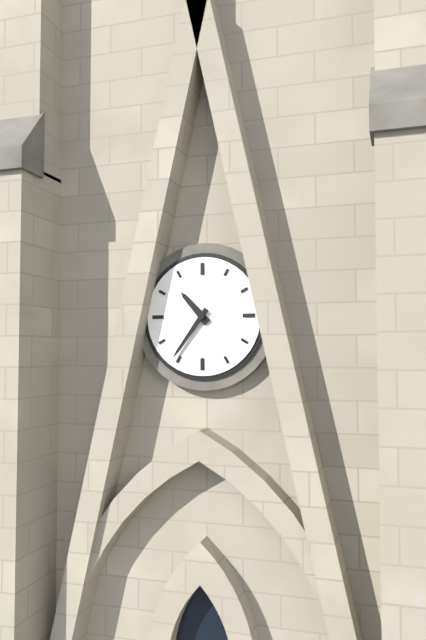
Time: h=10 m=36
